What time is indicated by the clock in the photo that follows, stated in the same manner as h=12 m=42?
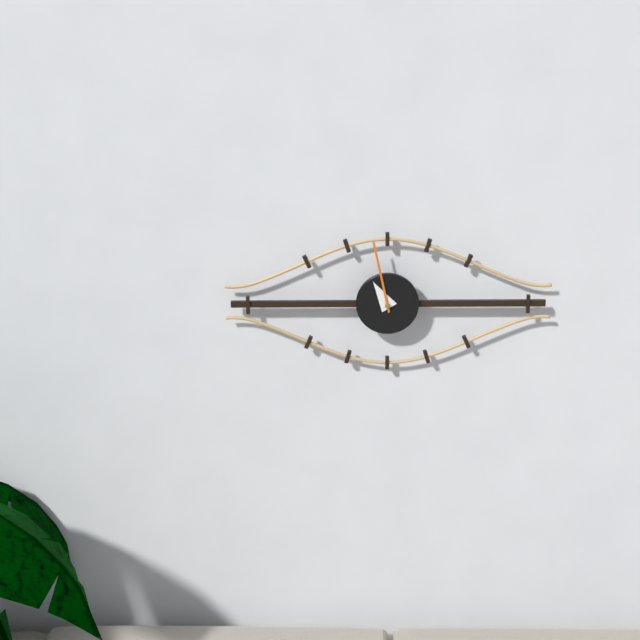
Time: h=10 m=58
